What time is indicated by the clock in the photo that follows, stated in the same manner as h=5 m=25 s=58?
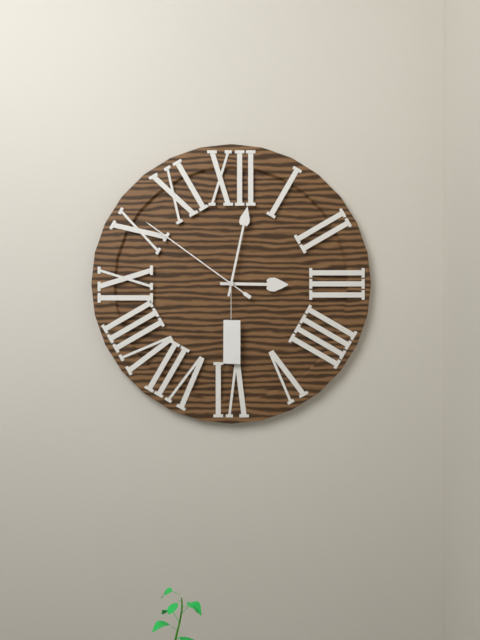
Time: h=3 m=2 s=51
